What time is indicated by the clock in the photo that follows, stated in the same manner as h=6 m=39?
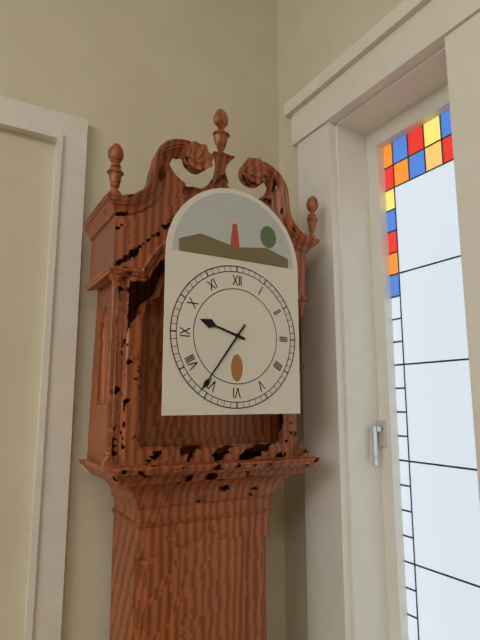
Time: h=9 m=36
